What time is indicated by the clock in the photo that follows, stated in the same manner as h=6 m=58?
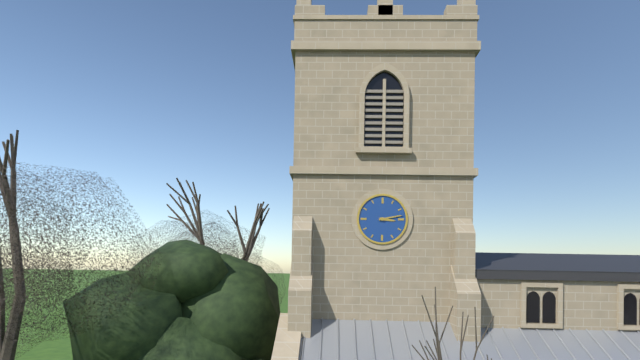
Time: h=3 m=13
